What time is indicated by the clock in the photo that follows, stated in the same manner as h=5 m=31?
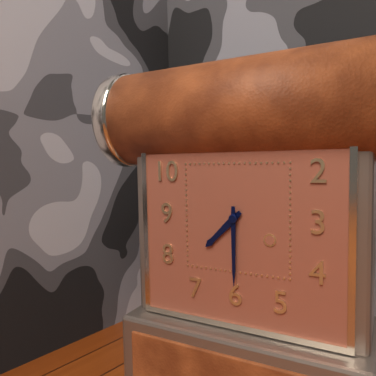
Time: h=7 m=30
